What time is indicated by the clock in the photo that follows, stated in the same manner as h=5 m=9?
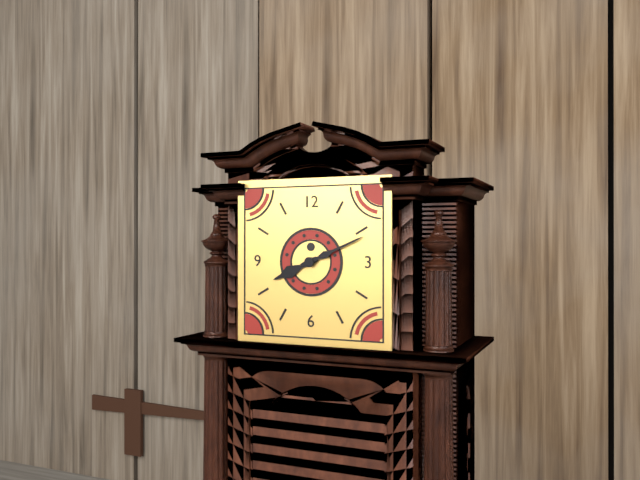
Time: h=8 m=11
